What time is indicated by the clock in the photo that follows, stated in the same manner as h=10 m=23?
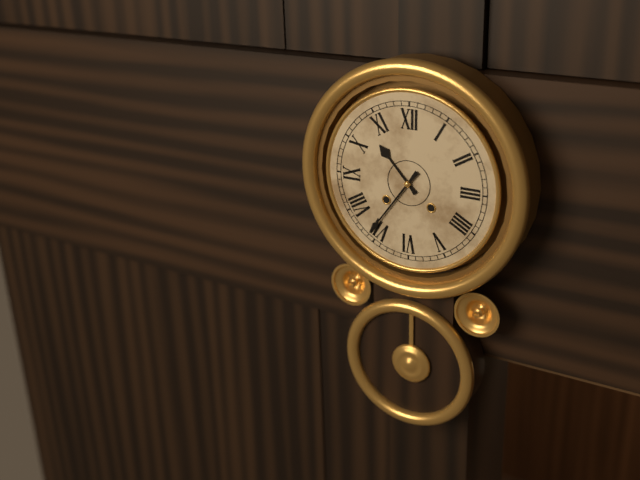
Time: h=10 m=36
